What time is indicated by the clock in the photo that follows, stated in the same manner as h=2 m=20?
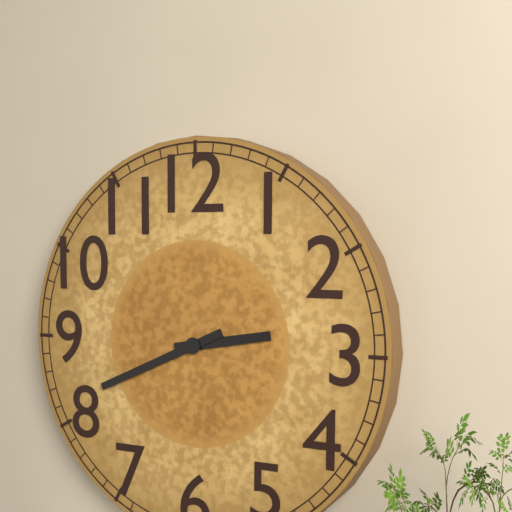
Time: h=2 m=41
